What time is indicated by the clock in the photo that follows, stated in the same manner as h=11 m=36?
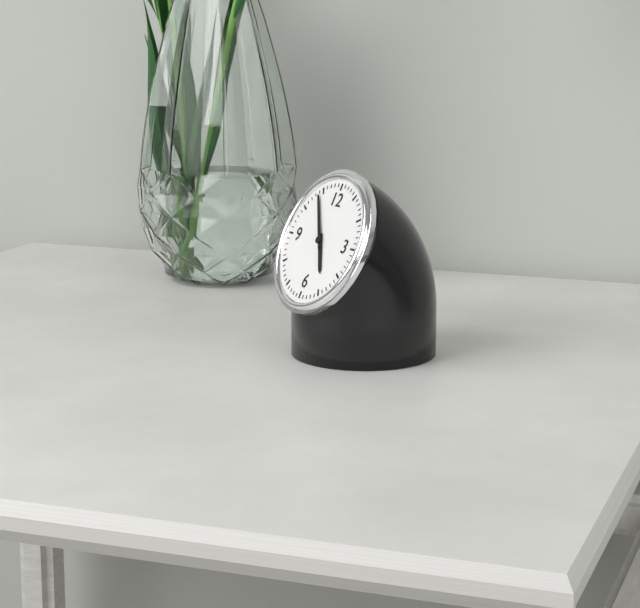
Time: h=4 m=54
